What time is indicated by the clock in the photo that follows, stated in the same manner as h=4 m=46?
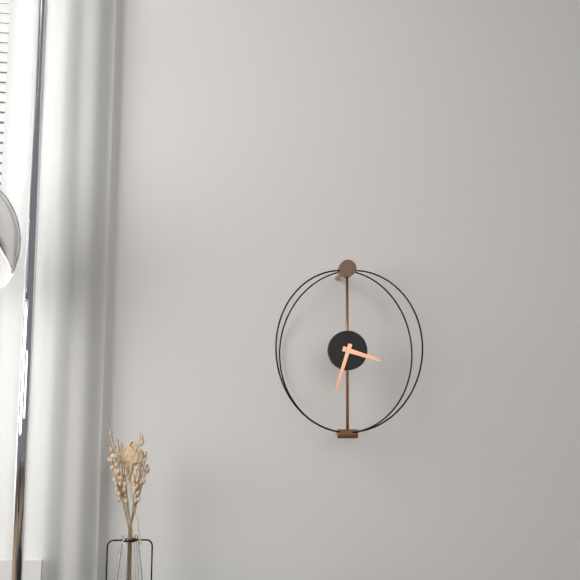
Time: h=3 m=33
